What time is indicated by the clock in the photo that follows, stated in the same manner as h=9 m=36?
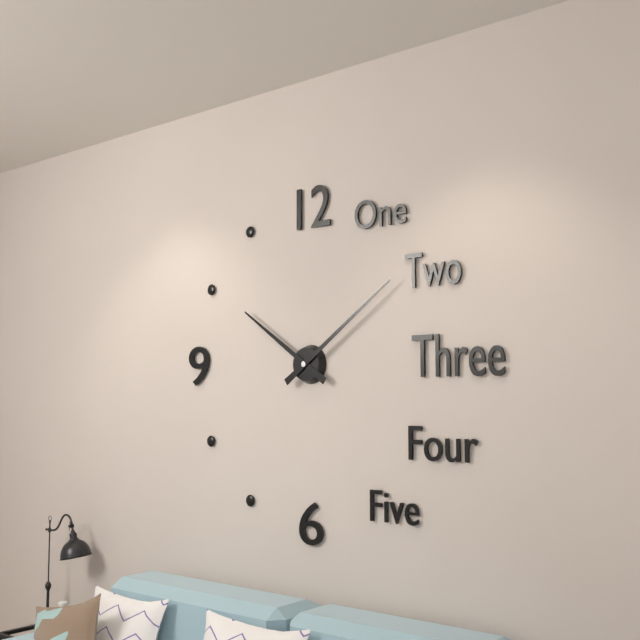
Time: h=10 m=9
